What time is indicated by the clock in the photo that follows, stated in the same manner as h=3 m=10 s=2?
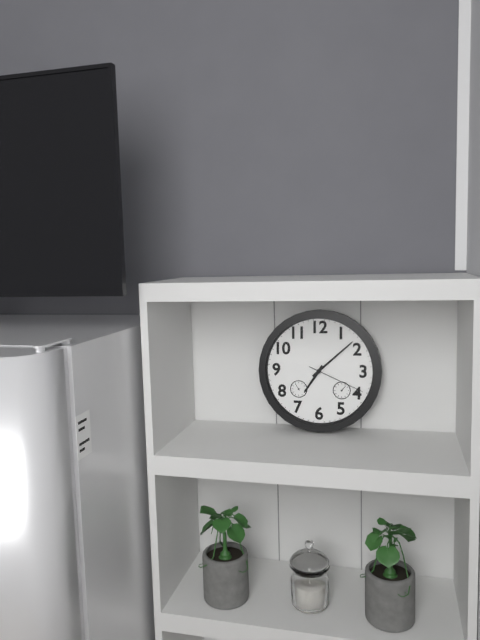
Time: h=7 m=8 s=19
